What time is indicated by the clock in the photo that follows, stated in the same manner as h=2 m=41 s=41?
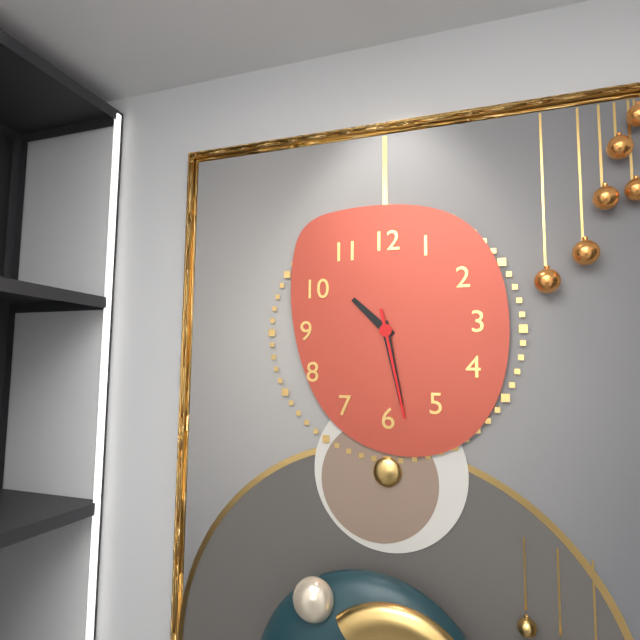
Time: h=10 m=28 s=28
